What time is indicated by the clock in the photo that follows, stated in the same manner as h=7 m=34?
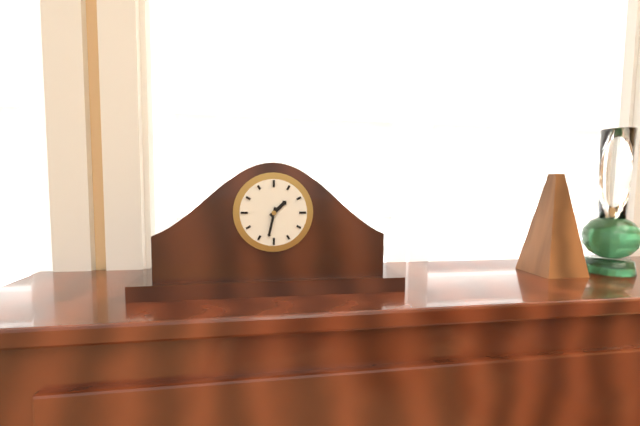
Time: h=1 m=32
